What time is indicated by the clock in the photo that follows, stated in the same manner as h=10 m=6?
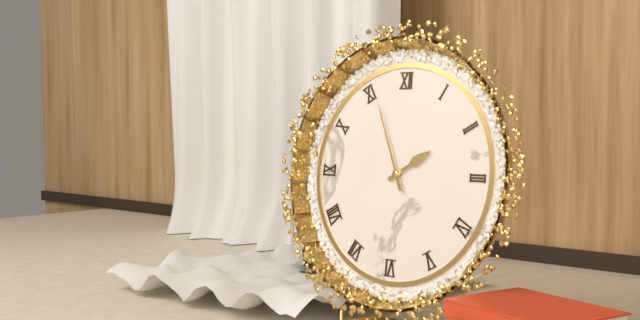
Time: h=1 m=56
